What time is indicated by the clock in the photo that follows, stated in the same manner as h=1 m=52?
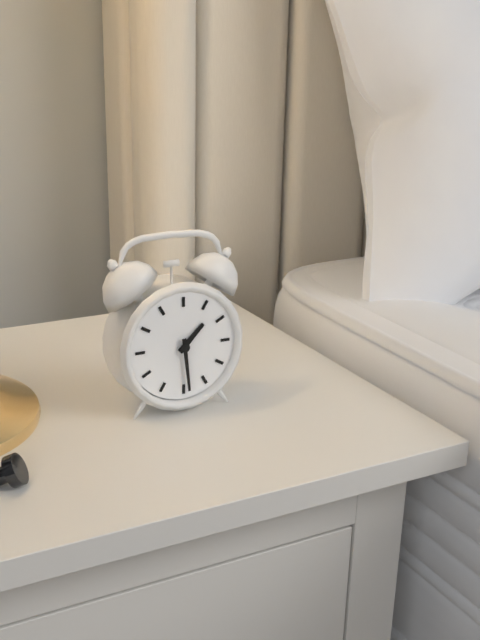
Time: h=1 m=29
